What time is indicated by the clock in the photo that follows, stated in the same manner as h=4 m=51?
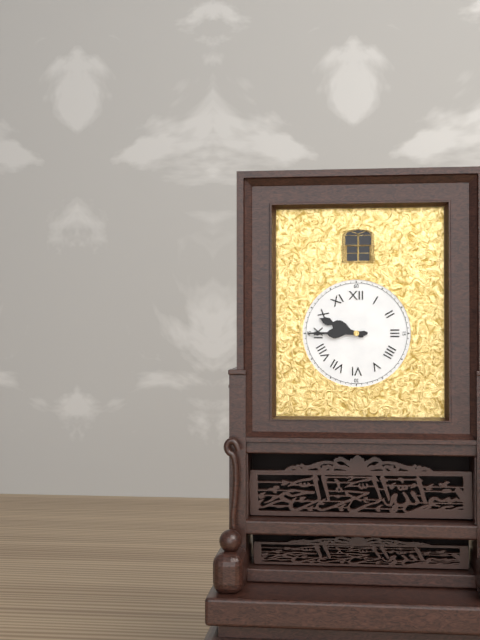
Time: h=9 m=45
